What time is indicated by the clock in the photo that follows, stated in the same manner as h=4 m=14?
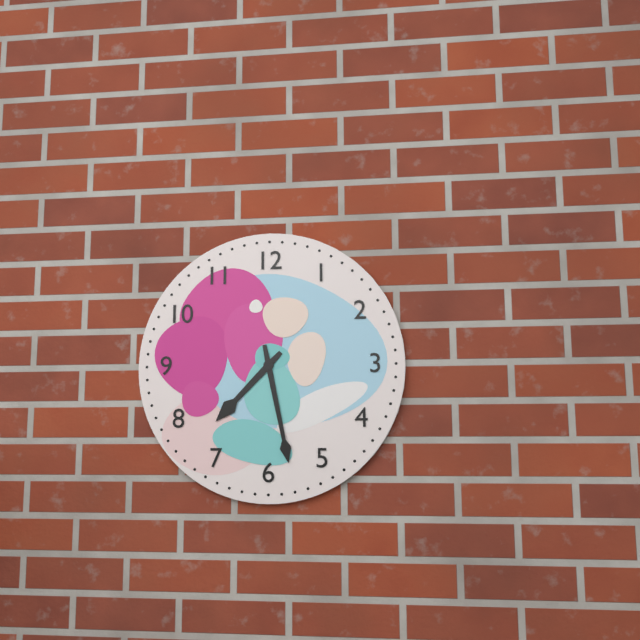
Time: h=7 m=28
